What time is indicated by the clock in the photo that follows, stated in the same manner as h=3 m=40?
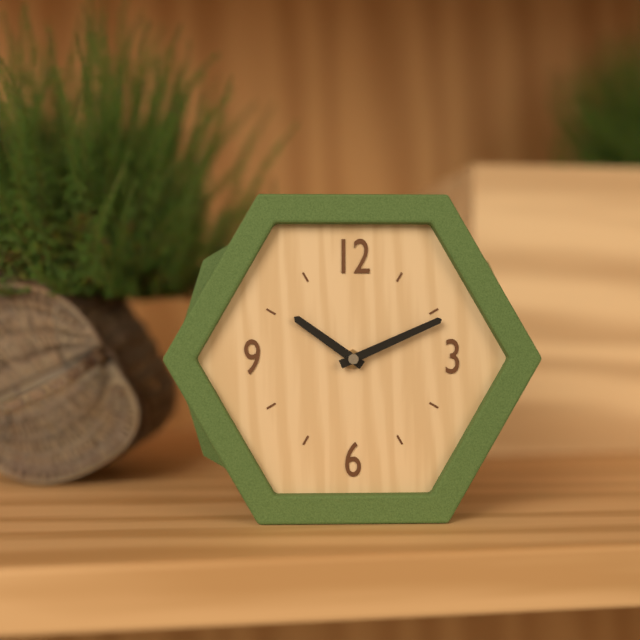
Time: h=10 m=11
